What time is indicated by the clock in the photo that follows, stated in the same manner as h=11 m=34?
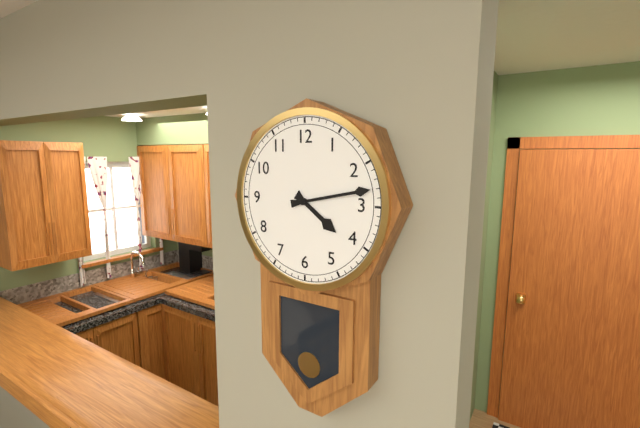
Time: h=4 m=13
